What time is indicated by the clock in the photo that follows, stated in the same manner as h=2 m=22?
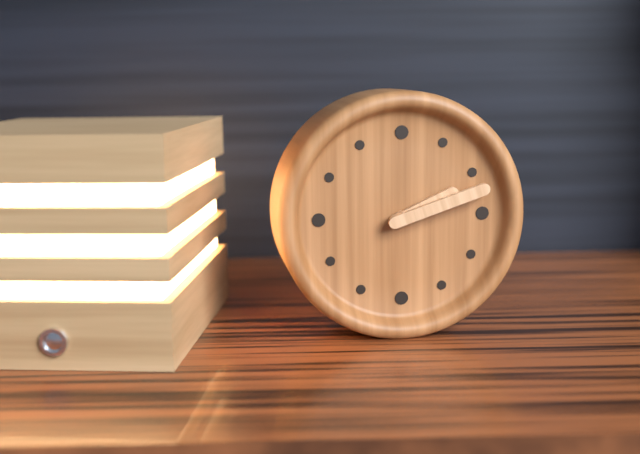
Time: h=2 m=12
